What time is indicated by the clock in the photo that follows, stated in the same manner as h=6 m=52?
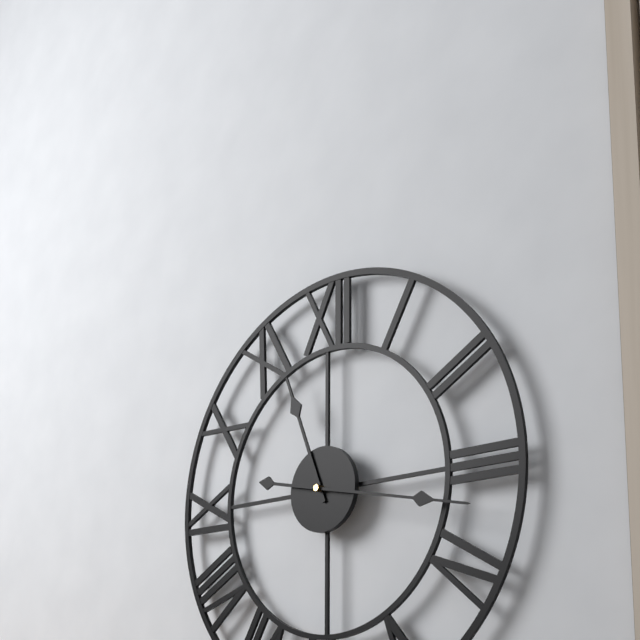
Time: h=11 m=17
